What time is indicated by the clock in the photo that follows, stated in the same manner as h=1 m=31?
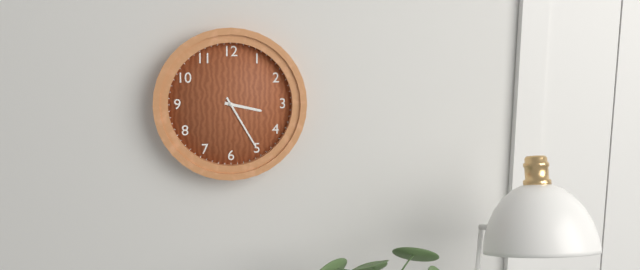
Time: h=3 m=25
